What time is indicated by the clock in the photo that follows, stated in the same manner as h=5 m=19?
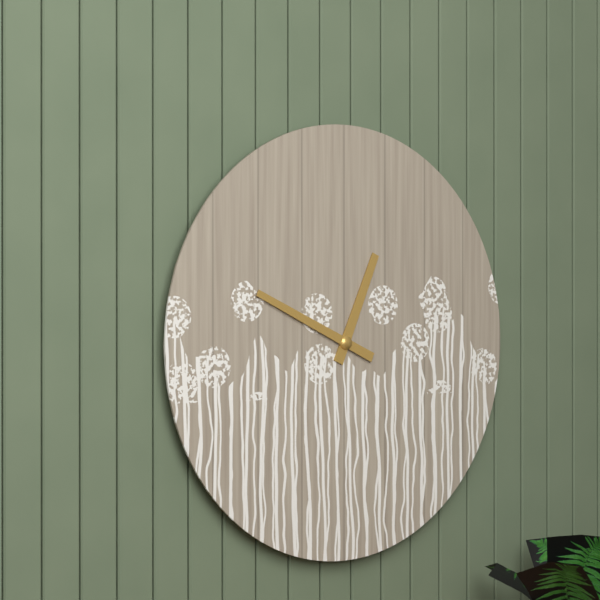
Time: h=12 m=49
